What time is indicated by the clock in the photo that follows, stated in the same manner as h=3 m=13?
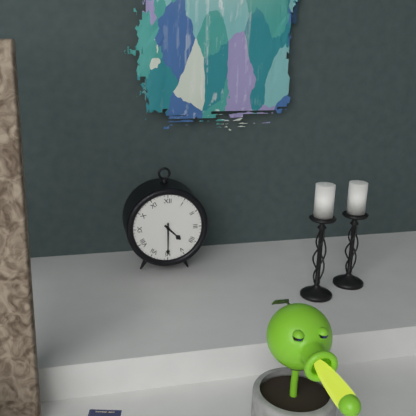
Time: h=4 m=30
